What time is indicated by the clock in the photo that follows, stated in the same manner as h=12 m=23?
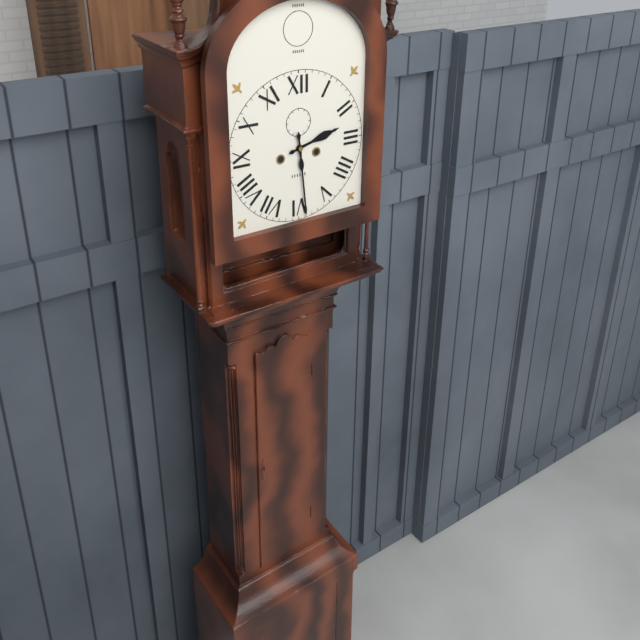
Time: h=2 m=29
